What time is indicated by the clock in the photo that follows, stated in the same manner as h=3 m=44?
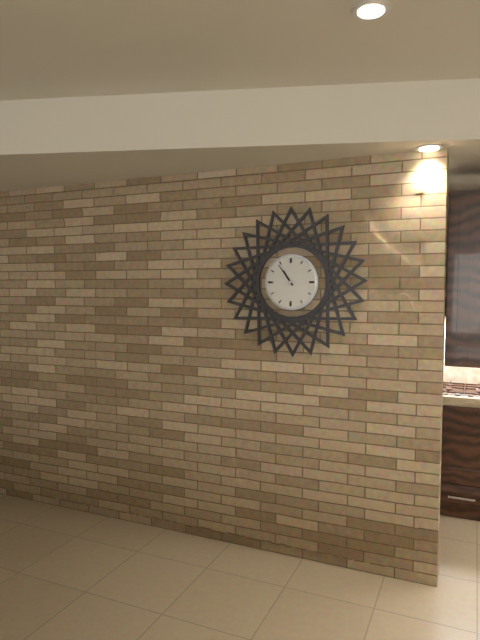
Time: h=10 m=54
